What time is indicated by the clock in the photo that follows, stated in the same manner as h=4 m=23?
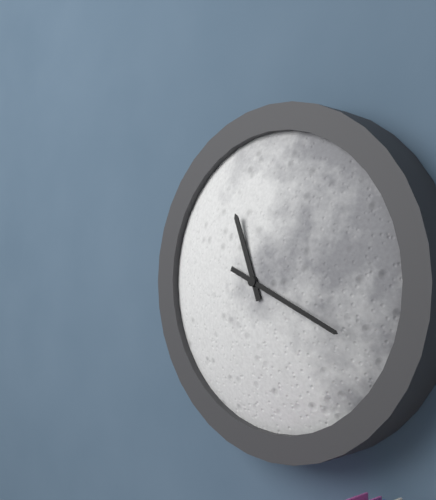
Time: h=11 m=19
